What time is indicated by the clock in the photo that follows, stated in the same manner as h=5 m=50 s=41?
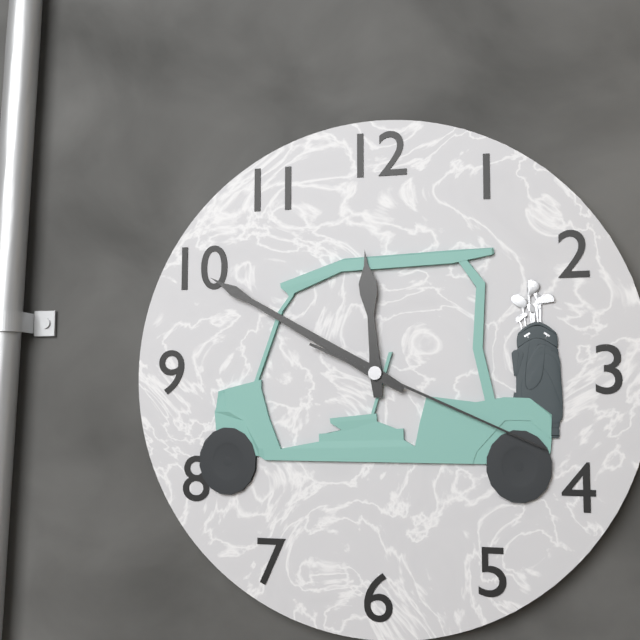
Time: h=11 m=50 s=19
